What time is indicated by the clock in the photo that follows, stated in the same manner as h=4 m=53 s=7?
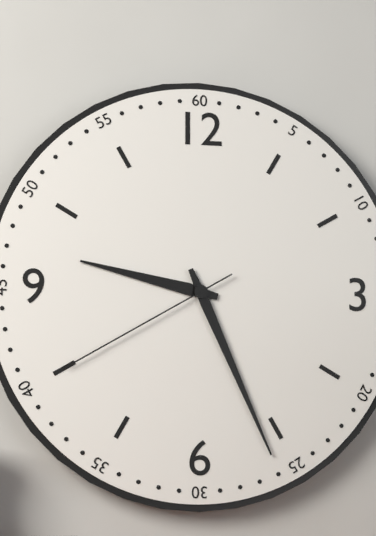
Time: h=9 m=26 s=40
